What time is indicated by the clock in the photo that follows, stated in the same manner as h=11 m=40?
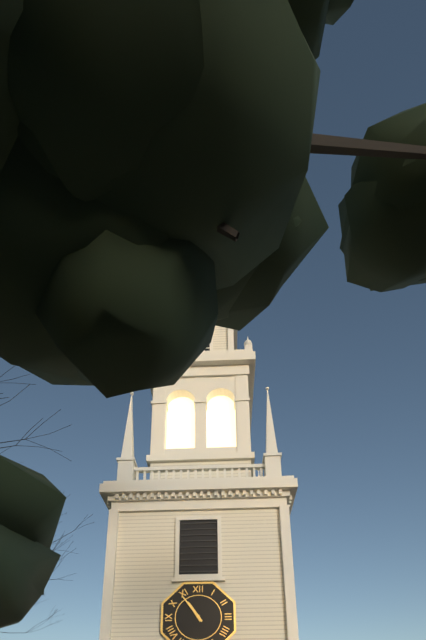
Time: h=10 m=54
